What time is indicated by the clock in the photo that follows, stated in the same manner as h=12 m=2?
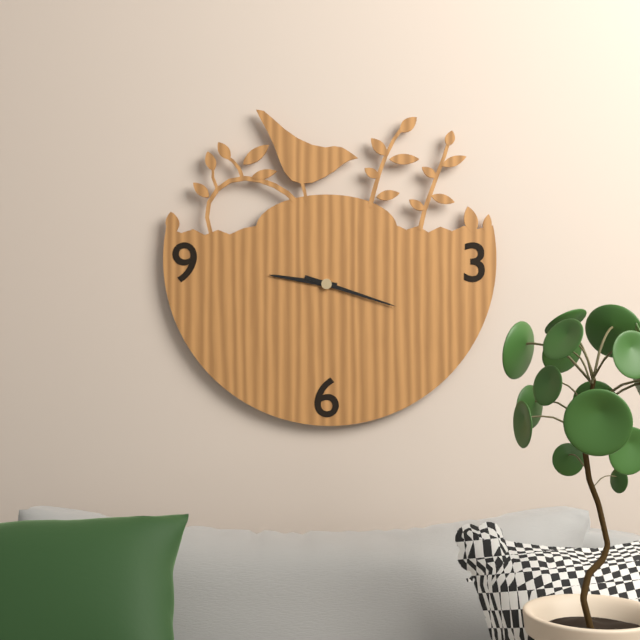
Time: h=9 m=18
